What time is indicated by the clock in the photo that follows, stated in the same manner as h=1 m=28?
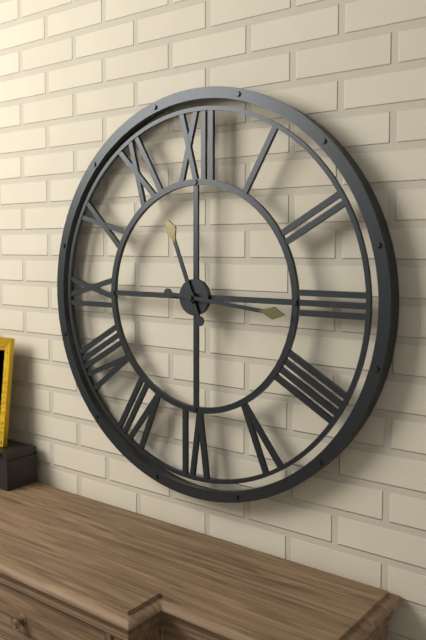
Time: h=11 m=16
